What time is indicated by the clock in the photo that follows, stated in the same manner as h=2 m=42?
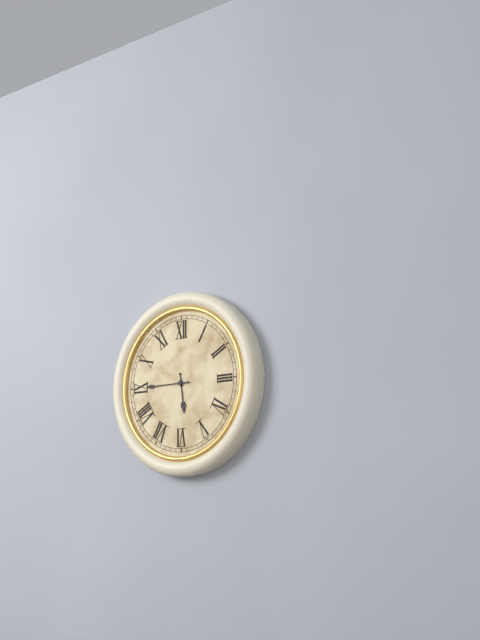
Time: h=5 m=45
